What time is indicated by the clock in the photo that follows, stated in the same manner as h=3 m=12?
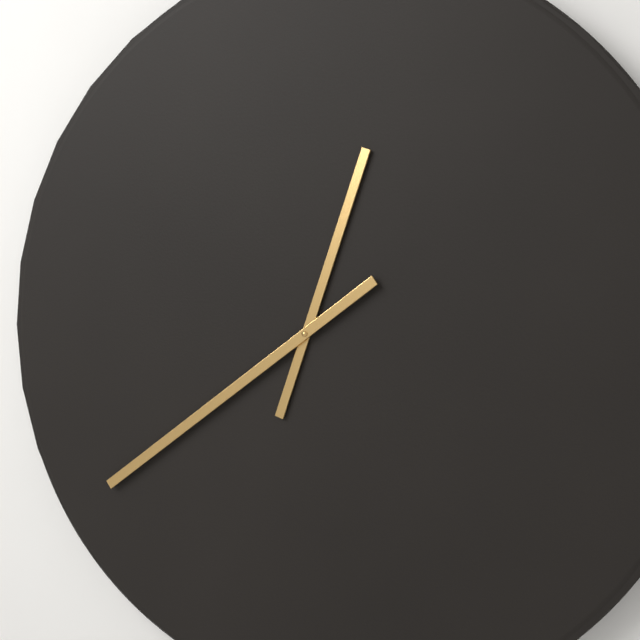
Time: h=12 m=39
